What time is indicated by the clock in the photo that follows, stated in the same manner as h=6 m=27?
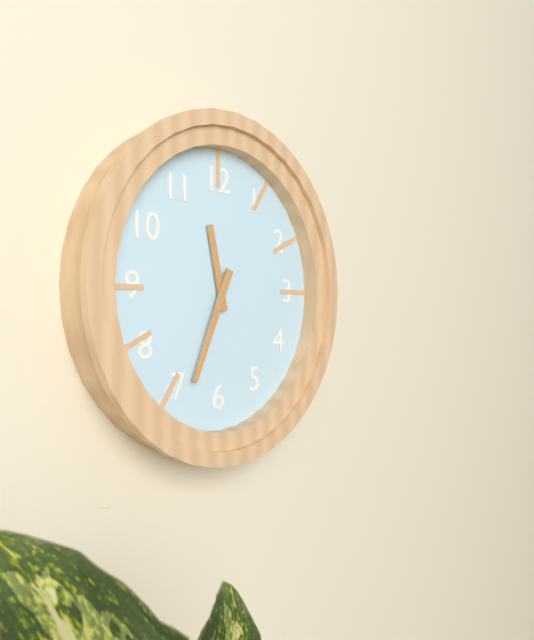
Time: h=11 m=34
